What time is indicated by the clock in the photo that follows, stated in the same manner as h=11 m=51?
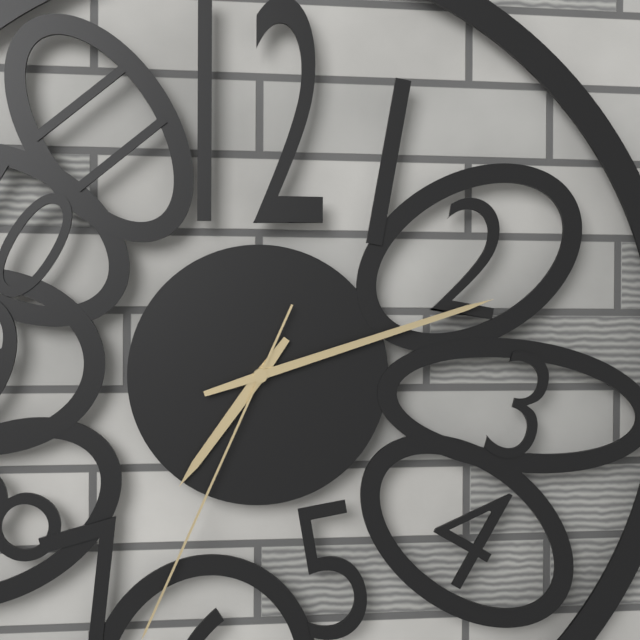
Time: h=7 m=12
